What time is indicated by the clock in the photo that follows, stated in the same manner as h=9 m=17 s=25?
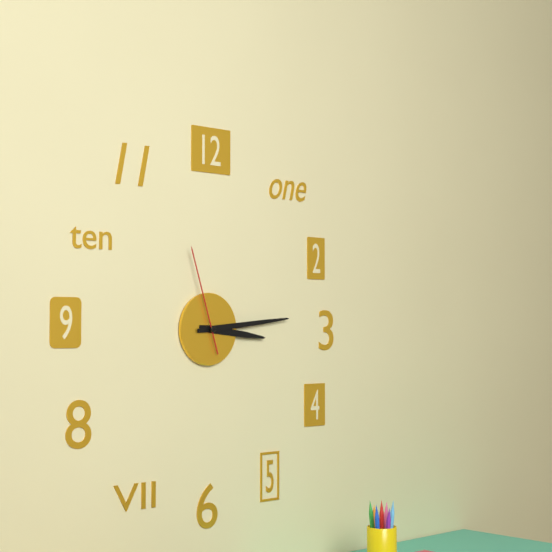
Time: h=3 m=14 s=57
